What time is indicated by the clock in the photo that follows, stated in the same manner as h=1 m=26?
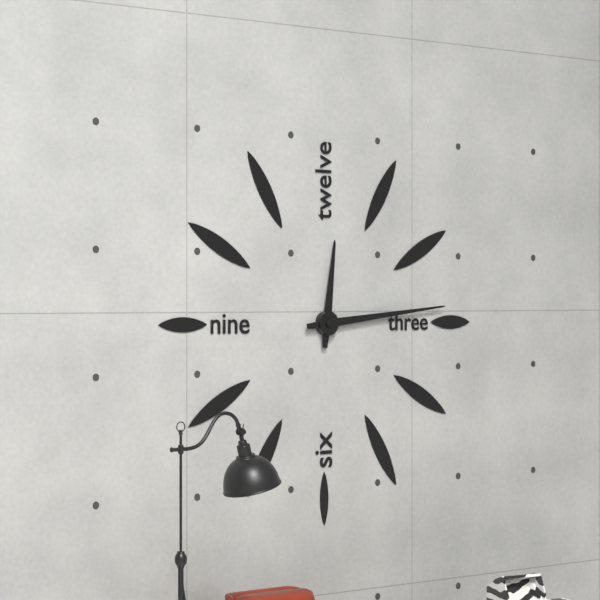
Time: h=12 m=14
